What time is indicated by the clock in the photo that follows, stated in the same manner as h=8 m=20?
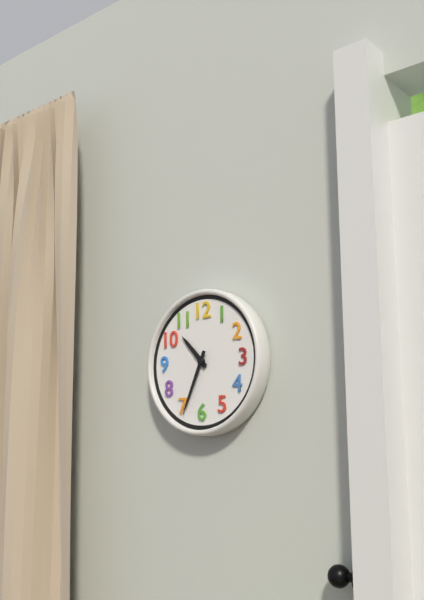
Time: h=10 m=34
